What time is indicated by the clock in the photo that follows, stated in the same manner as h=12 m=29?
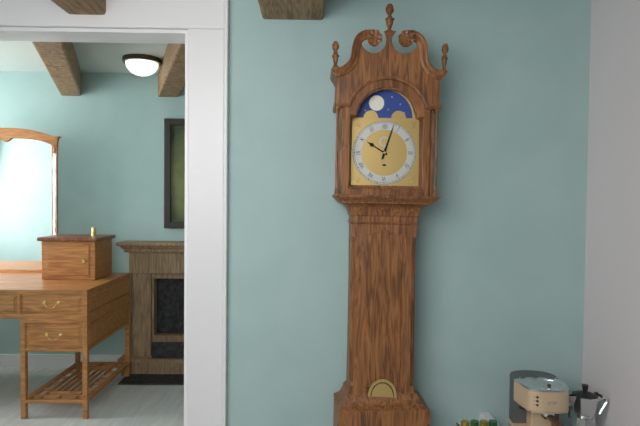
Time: h=10 m=3
